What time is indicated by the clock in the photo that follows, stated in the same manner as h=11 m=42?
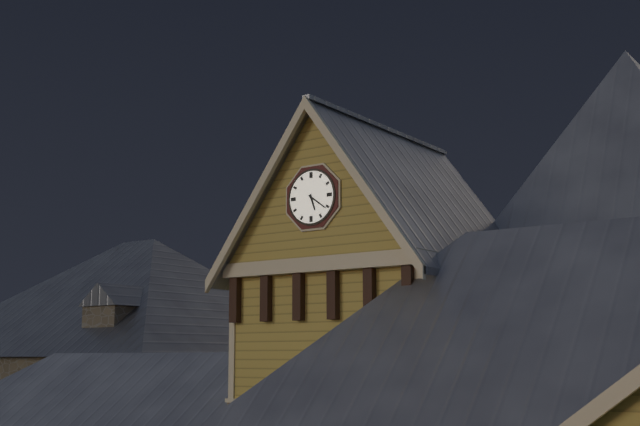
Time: h=5 m=21
